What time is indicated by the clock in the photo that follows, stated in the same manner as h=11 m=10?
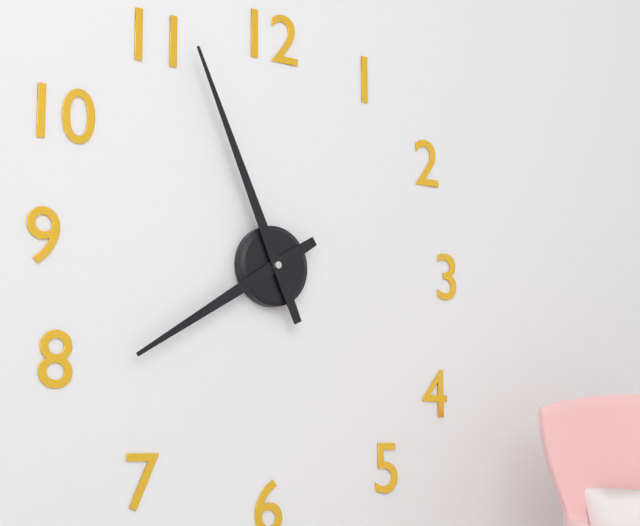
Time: h=7 m=56
